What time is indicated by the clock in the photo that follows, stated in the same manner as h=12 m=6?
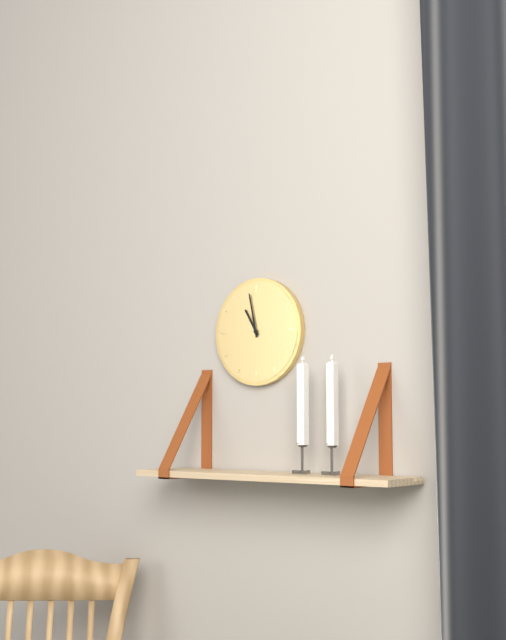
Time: h=10 m=58
